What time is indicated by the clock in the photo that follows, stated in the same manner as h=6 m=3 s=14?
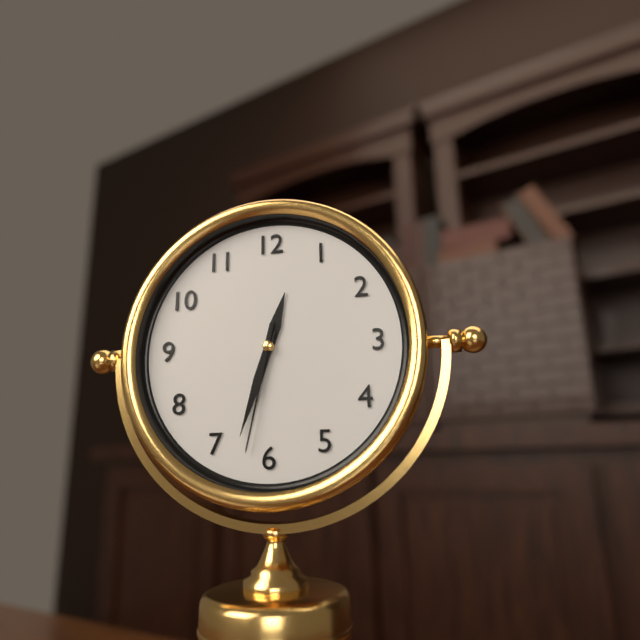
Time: h=12 m=33 s=32
